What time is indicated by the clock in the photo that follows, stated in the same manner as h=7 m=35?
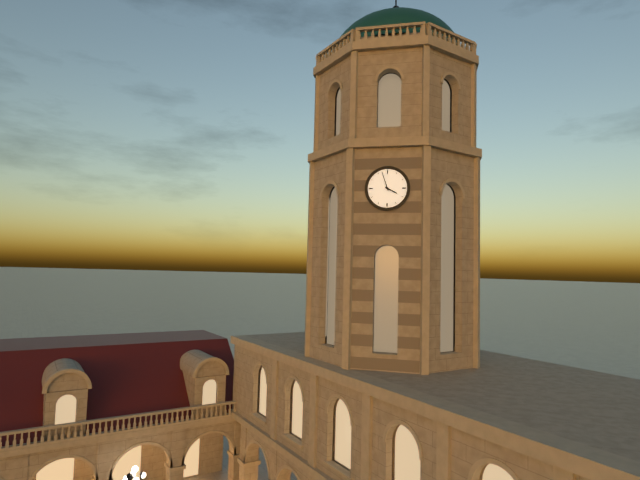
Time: h=3 m=57
